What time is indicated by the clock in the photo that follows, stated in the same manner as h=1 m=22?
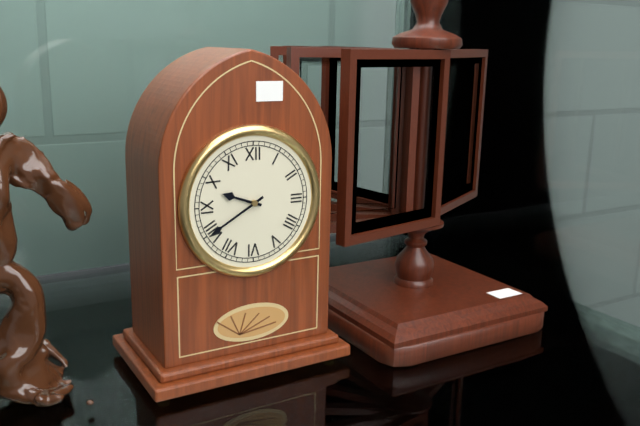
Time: h=9 m=40
